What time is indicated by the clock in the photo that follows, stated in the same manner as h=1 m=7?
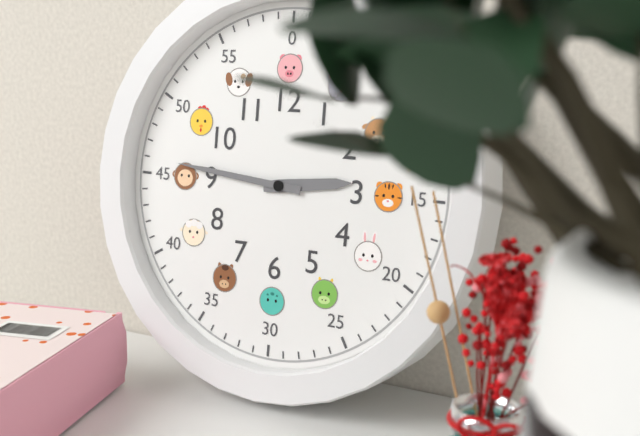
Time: h=2 m=46
